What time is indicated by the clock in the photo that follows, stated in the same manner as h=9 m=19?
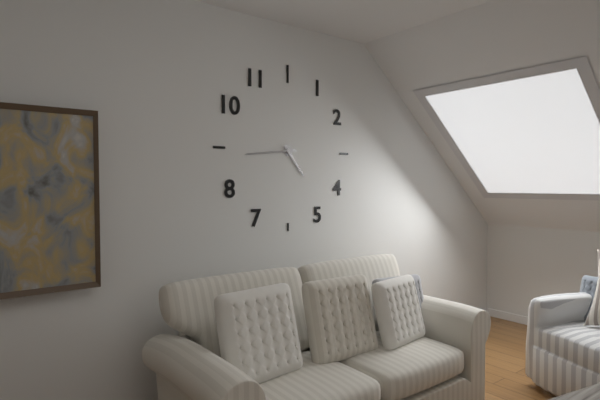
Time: h=4 m=44
